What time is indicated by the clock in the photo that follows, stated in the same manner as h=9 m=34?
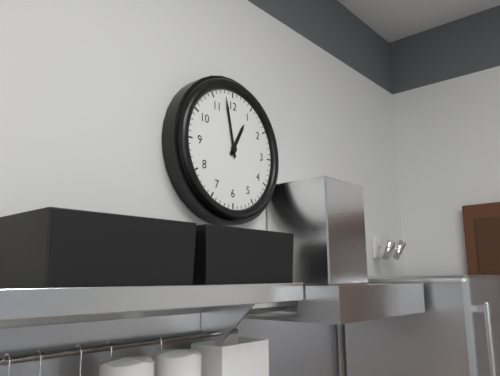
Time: h=12 m=58
